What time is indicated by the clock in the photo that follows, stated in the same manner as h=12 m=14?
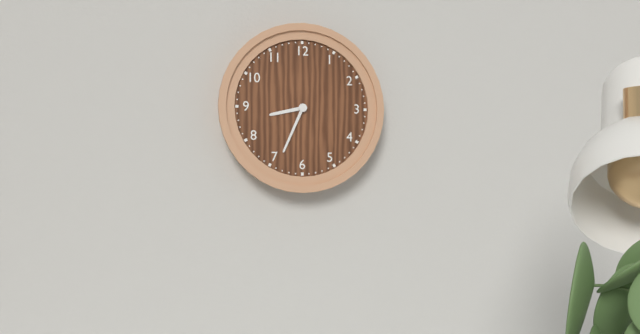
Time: h=8 m=34
